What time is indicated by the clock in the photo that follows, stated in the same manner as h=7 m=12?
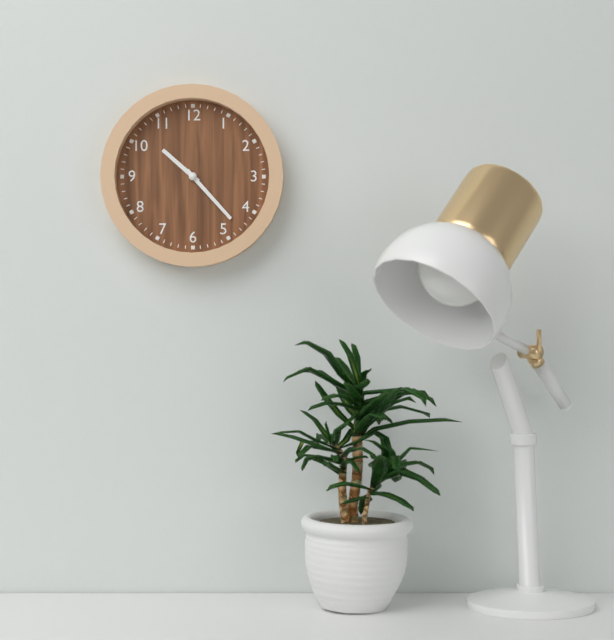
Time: h=10 m=23
